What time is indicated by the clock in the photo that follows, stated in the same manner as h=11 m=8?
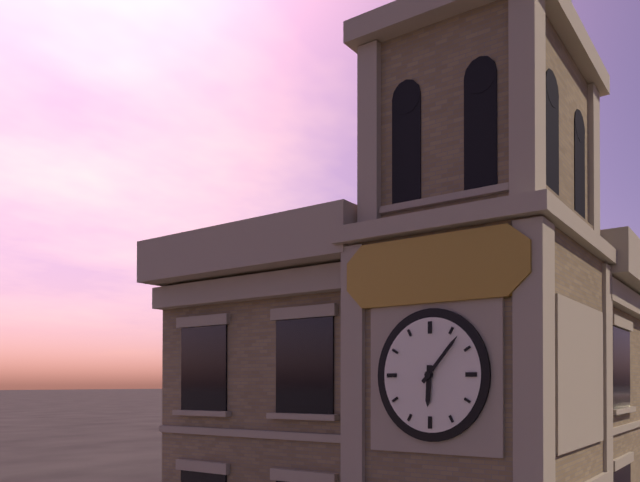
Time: h=6 m=7
